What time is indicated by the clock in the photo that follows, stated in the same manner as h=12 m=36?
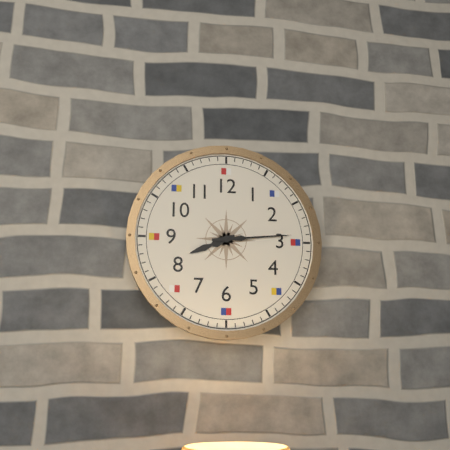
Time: h=8 m=14
